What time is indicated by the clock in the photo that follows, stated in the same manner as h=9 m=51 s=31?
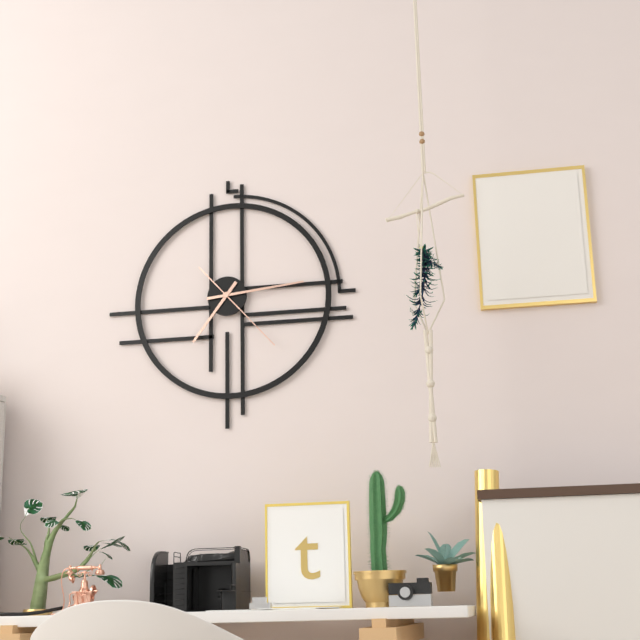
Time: h=7 m=14 s=23
